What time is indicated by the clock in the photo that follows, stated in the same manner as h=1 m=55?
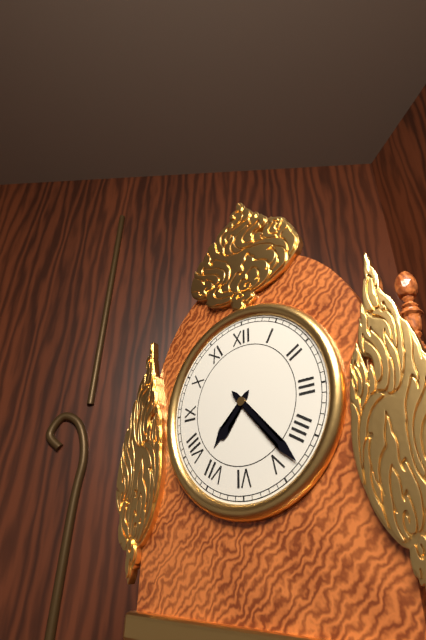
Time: h=7 m=23
